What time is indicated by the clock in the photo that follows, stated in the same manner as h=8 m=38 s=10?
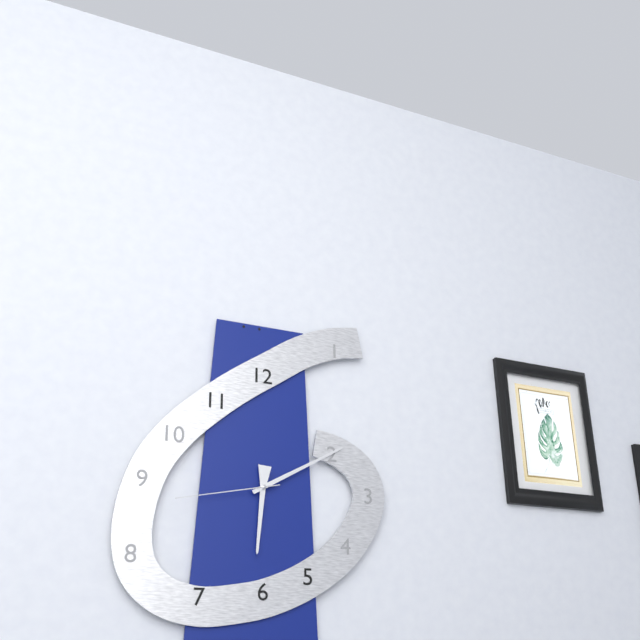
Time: h=6 m=10 s=43
